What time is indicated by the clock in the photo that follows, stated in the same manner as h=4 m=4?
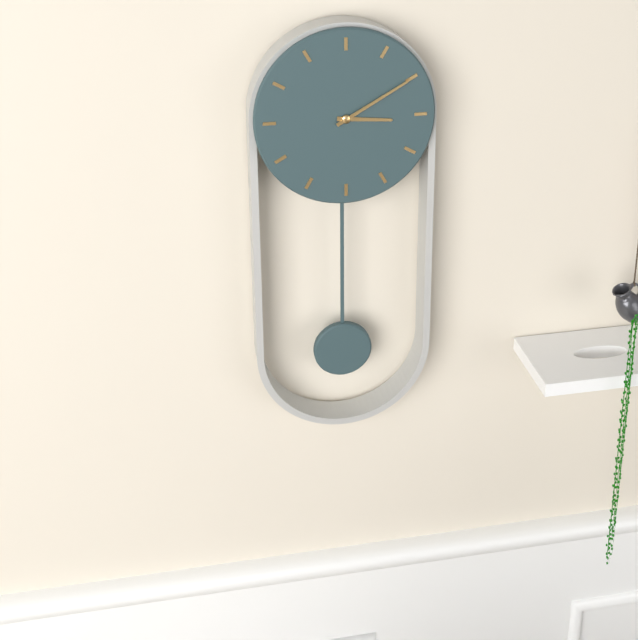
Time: h=3 m=10
